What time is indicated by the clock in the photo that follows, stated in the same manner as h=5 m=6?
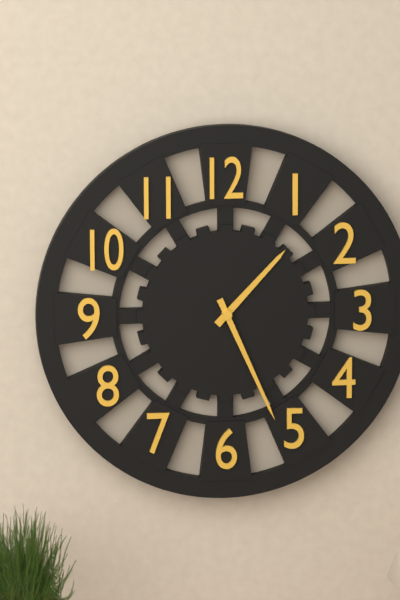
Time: h=1 m=26
